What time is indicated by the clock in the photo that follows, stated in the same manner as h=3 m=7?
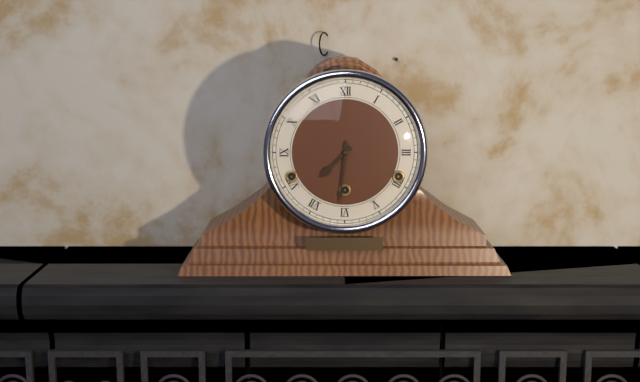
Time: h=7 m=31
